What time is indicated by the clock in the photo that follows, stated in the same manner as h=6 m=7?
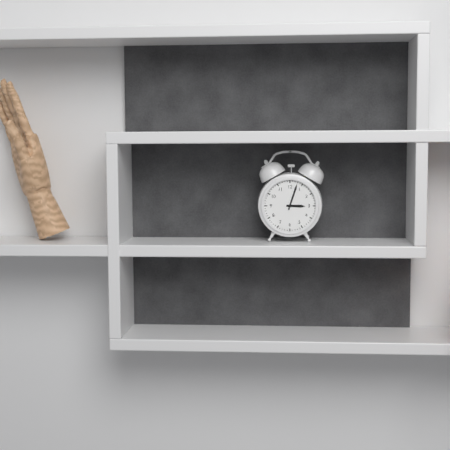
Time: h=3 m=3
